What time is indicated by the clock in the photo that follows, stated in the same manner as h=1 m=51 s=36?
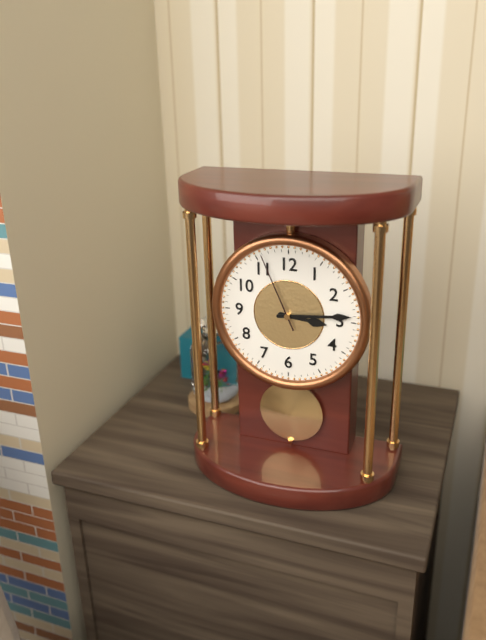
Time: h=3 m=14 s=56
